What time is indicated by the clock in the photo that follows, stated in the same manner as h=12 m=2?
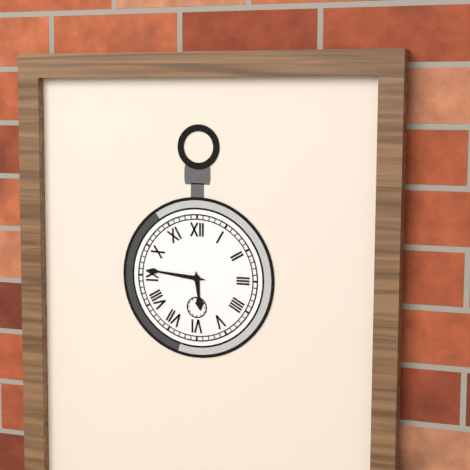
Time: h=5 m=46
